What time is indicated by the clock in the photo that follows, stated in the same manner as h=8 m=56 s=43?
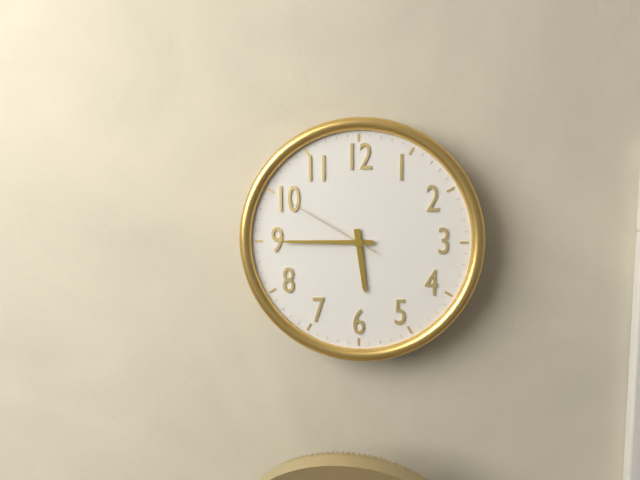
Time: h=5 m=45 s=50
